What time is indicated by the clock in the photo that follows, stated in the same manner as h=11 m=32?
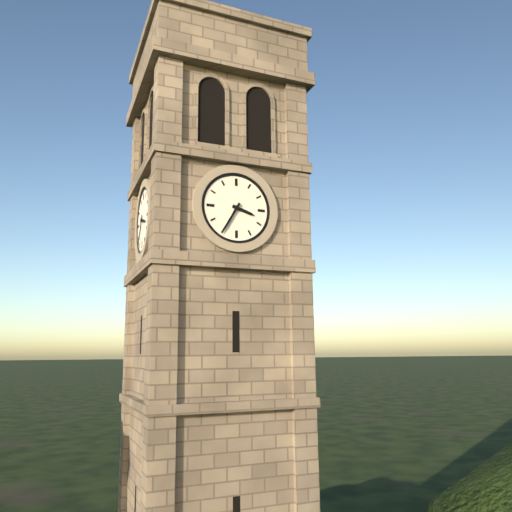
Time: h=3 m=35
